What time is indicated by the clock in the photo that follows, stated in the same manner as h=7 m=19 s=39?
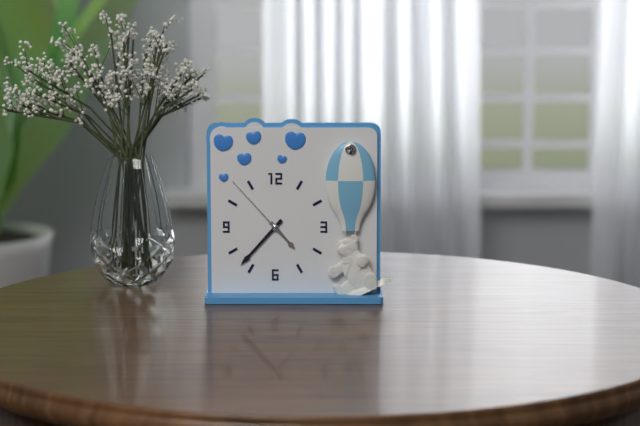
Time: h=4 m=37 s=53
